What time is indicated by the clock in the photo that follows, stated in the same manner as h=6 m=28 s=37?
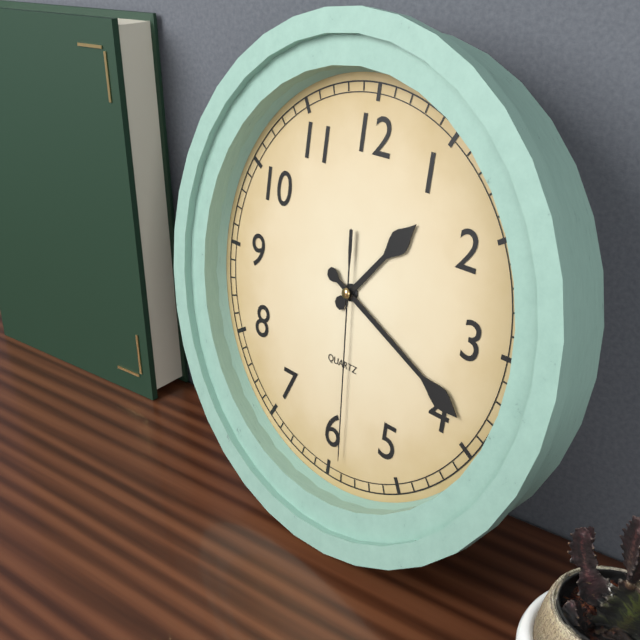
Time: h=1 m=19 s=29
